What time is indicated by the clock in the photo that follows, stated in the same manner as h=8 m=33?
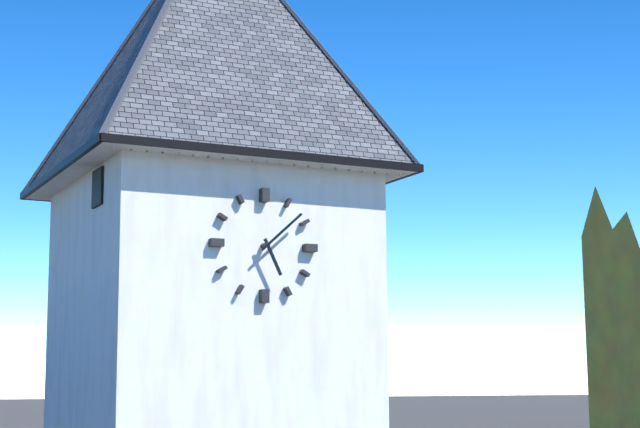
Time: h=5 m=8
